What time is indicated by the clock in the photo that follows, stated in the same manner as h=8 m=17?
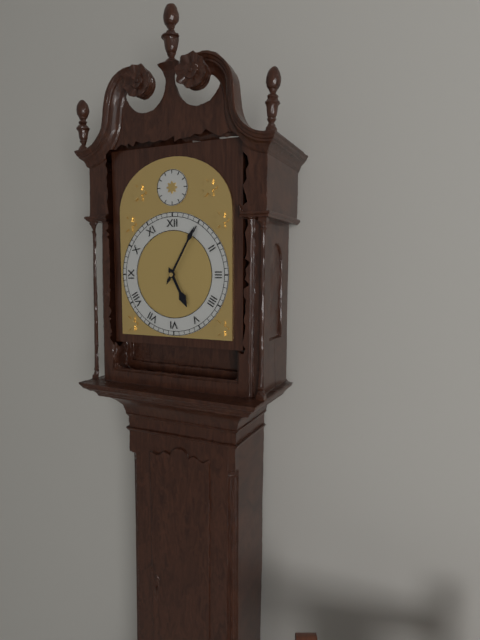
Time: h=5 m=5
